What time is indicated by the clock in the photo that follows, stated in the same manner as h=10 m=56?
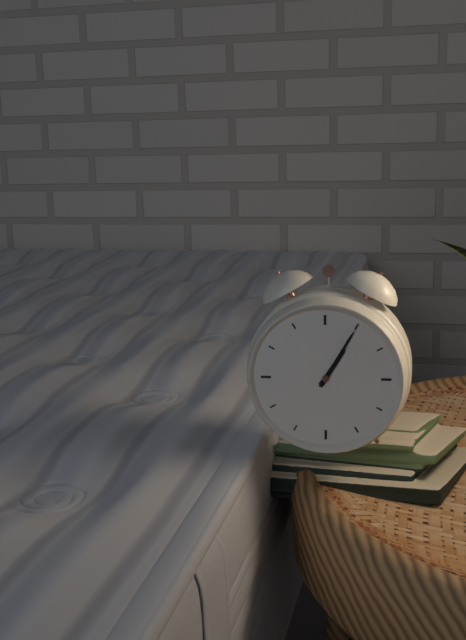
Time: h=1 m=5
